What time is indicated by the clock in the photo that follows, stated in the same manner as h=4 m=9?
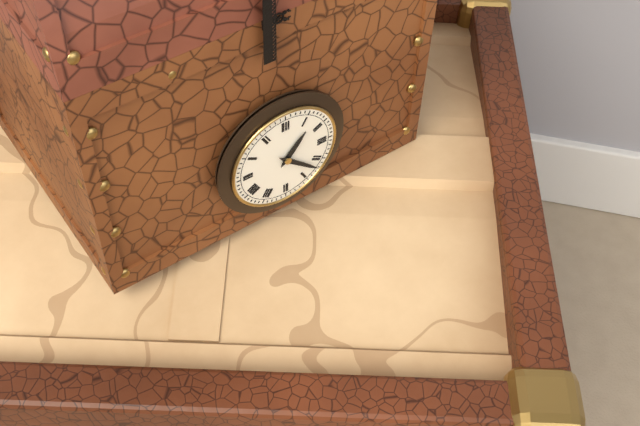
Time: h=1 m=22
